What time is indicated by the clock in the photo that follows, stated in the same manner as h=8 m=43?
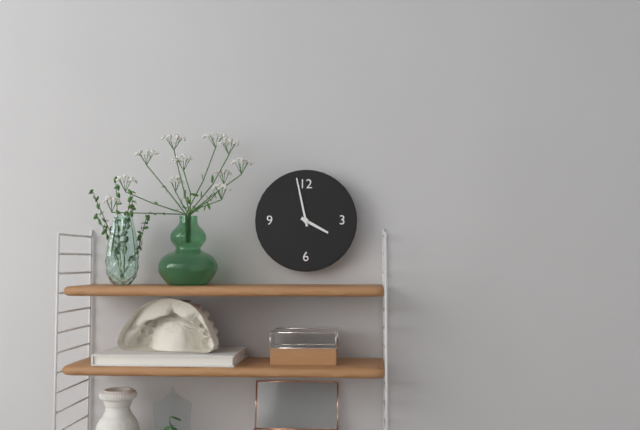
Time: h=3 m=58
